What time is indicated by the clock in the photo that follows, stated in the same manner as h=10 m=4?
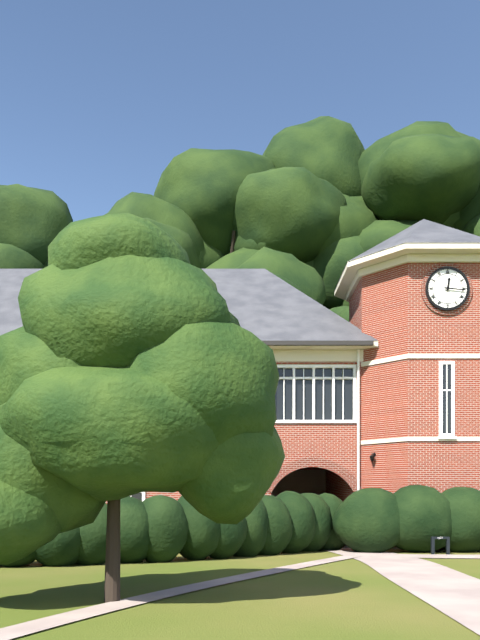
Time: h=12 m=16
